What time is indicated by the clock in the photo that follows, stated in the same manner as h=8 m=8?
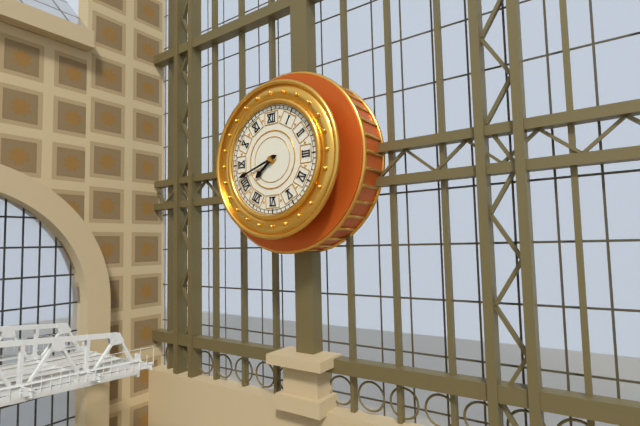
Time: h=7 m=42
